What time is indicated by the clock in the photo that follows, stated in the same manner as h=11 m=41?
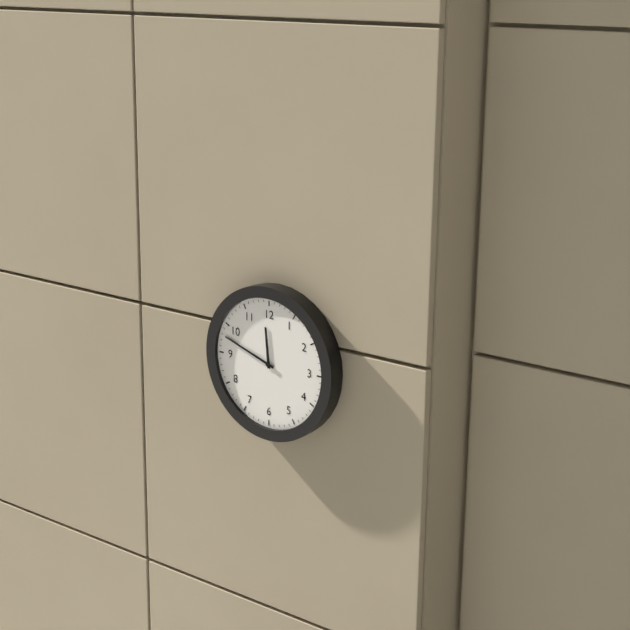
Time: h=11 m=48
